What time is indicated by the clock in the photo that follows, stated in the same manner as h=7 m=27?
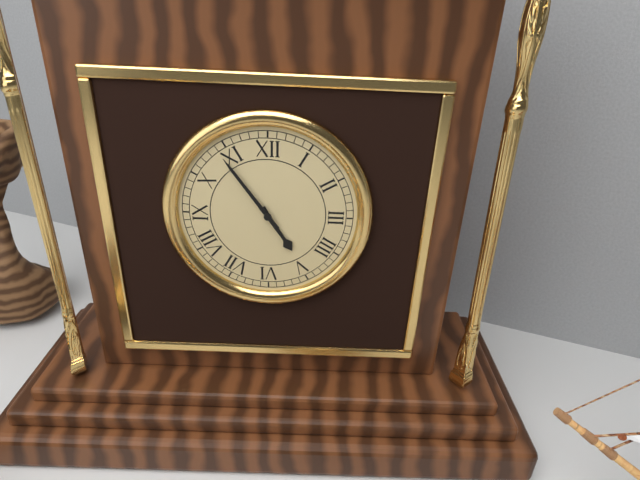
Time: h=4 m=54
